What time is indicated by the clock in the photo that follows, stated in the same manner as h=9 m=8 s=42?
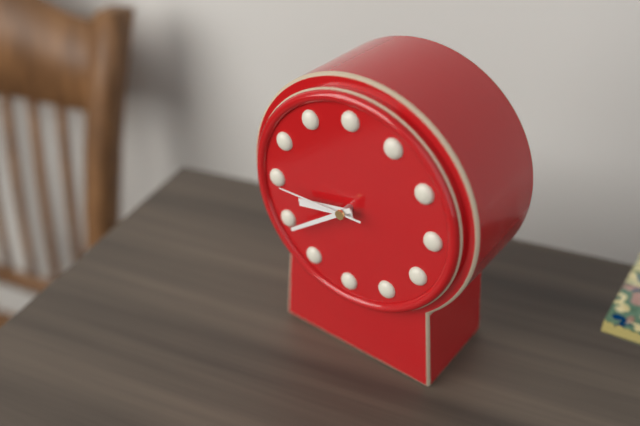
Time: h=8 m=39 s=45
